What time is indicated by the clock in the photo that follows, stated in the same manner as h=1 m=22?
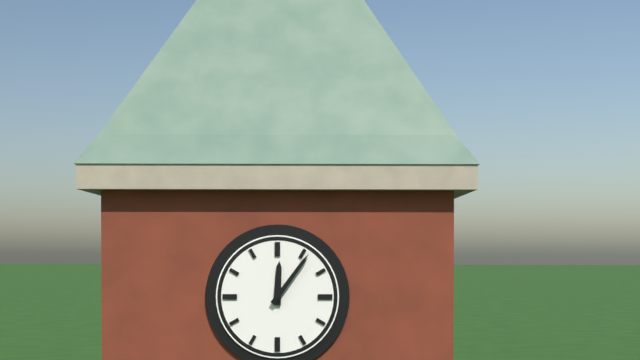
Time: h=12 m=6
